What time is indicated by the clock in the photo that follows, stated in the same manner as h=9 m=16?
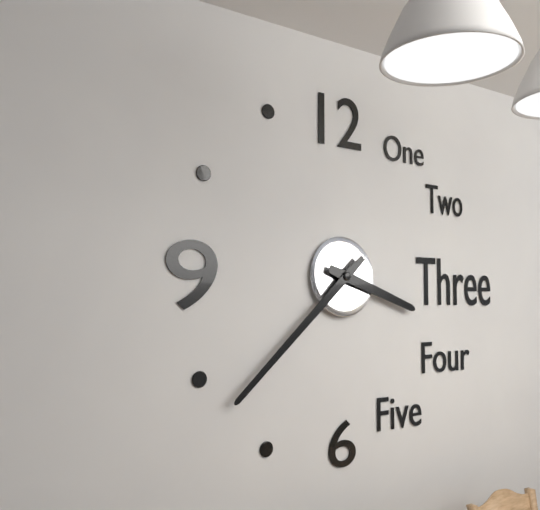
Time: h=3 m=38
